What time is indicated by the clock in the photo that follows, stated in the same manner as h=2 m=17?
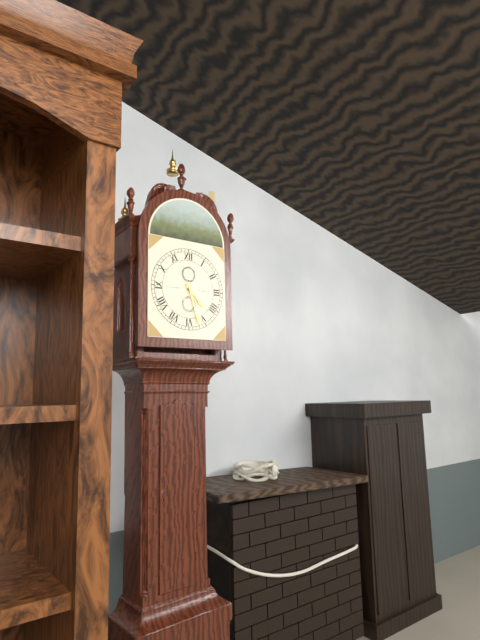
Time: h=4 m=27
